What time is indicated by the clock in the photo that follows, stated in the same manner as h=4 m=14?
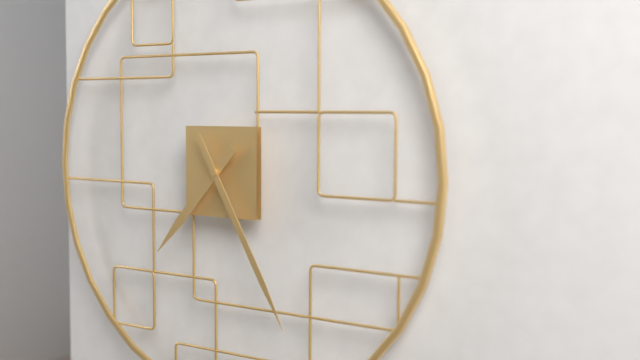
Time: h=7 m=25
